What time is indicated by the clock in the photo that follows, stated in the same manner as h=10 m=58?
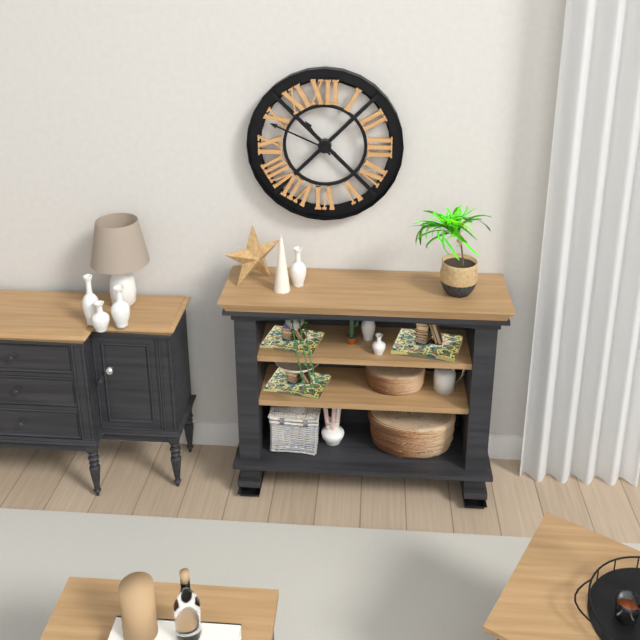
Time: h=10 m=49
